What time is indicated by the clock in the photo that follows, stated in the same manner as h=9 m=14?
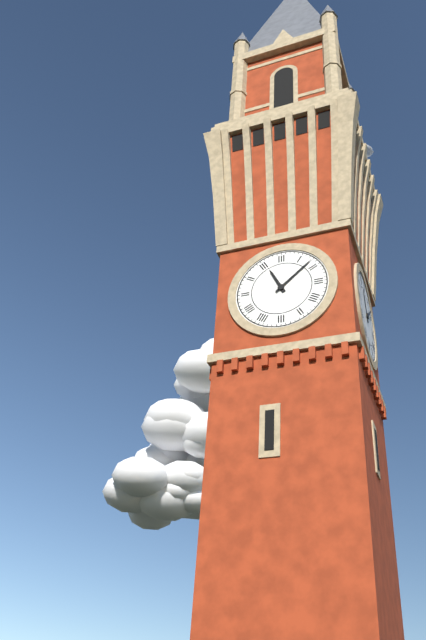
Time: h=11 m=8
